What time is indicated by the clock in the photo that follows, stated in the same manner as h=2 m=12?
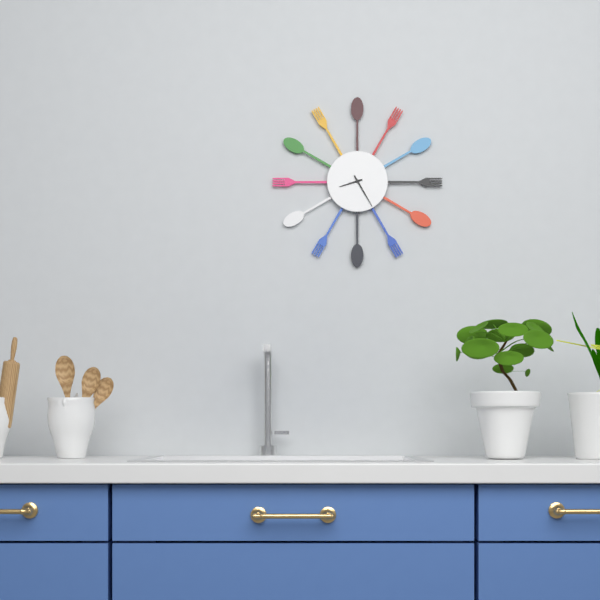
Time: h=8 m=25
